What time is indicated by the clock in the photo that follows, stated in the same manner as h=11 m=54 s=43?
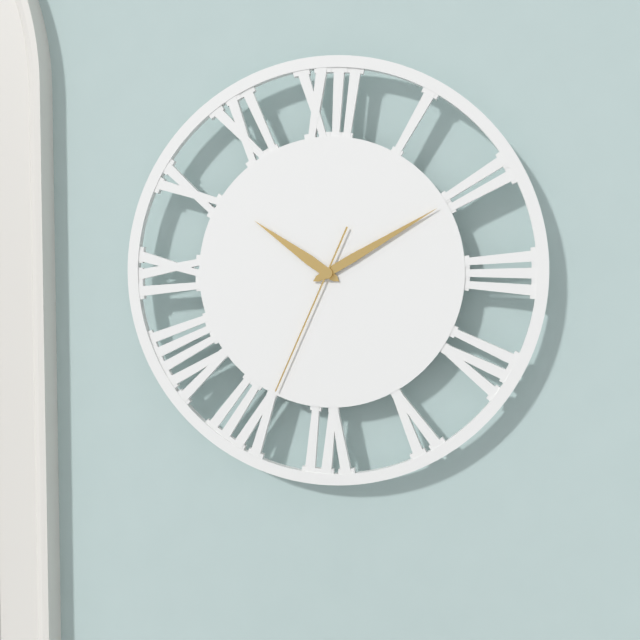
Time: h=10 m=10 s=34
